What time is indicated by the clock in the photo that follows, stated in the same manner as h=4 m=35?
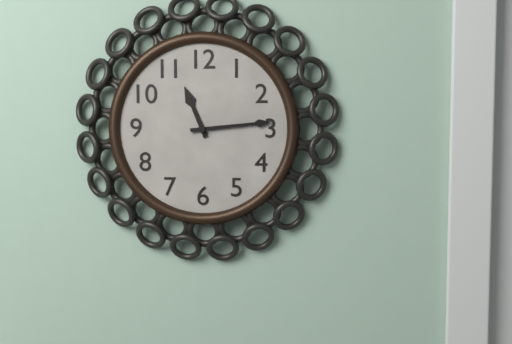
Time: h=11 m=14
